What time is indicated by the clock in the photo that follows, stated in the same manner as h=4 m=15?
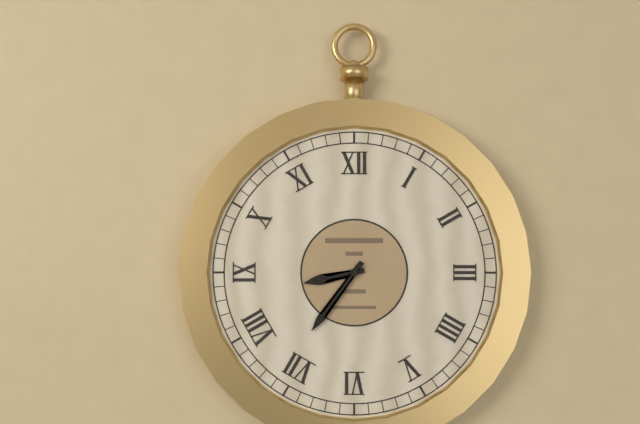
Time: h=8 m=36
